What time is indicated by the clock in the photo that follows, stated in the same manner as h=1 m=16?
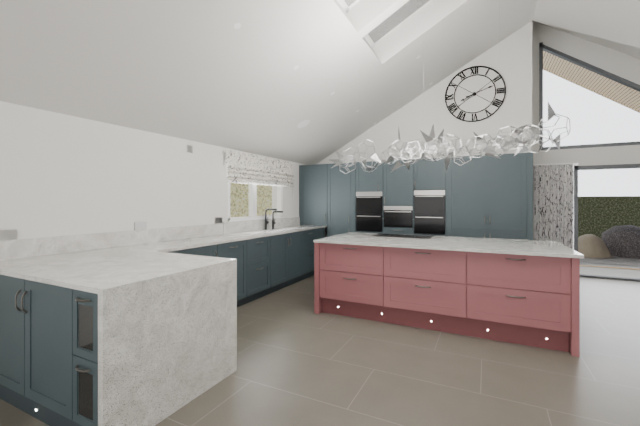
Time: h=8 m=12
